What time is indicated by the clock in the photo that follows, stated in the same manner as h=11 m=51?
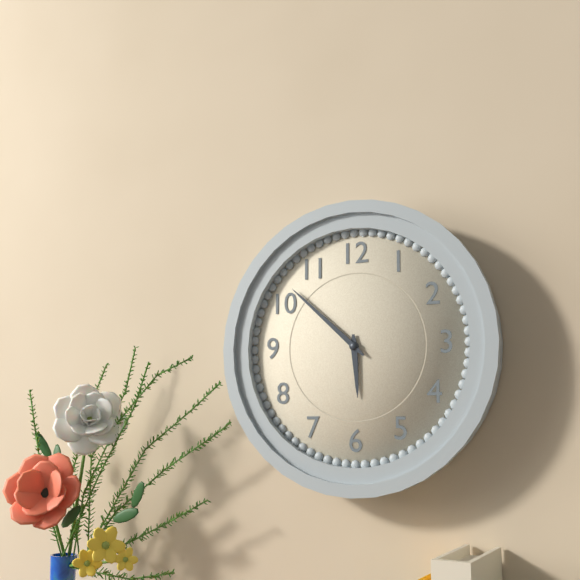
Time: h=5 m=52
